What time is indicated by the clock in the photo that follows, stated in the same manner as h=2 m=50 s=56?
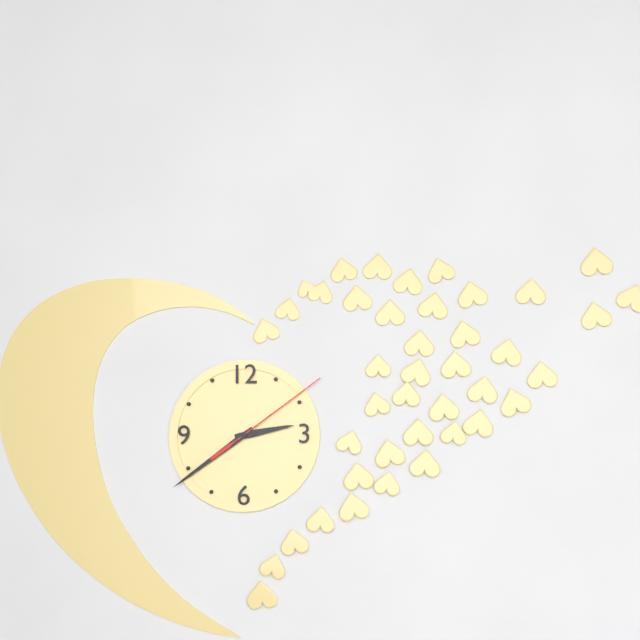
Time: h=2 m=39 s=9
